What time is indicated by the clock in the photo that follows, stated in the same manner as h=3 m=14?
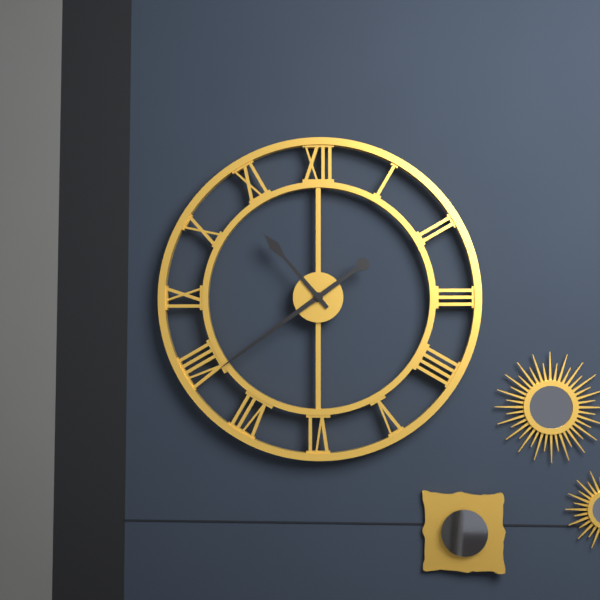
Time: h=10 m=39
